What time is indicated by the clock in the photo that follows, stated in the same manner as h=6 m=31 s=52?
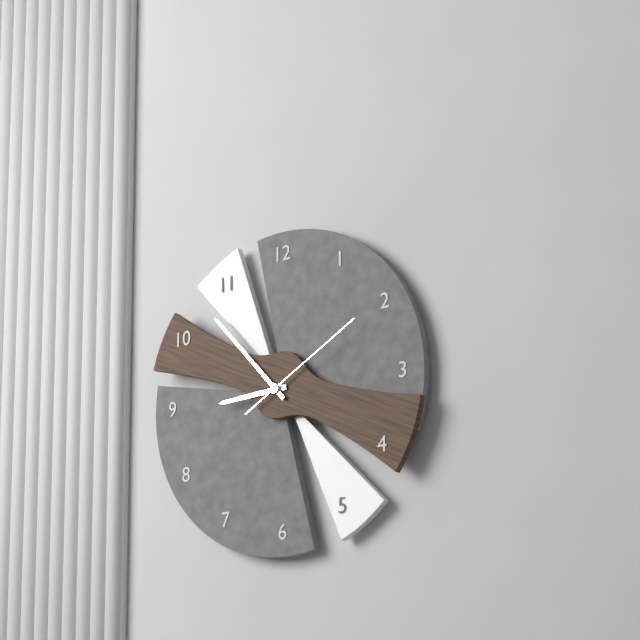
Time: h=8 m=53 s=10
